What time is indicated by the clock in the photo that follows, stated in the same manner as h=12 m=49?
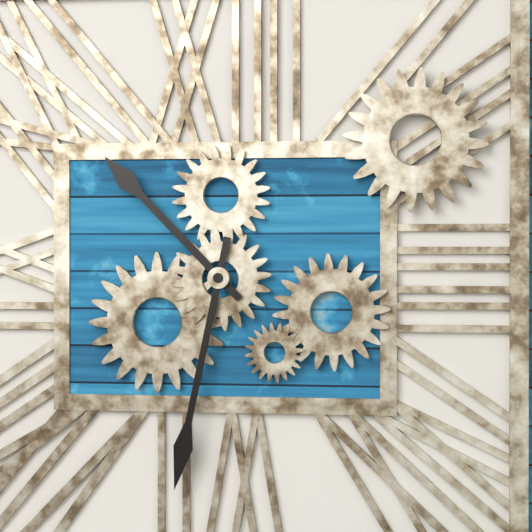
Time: h=10 m=32
